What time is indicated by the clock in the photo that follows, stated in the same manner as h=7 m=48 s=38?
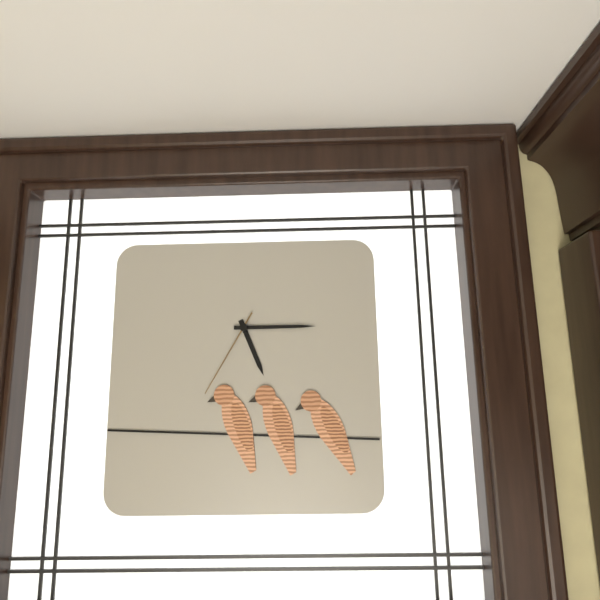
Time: h=5 m=15 s=35
